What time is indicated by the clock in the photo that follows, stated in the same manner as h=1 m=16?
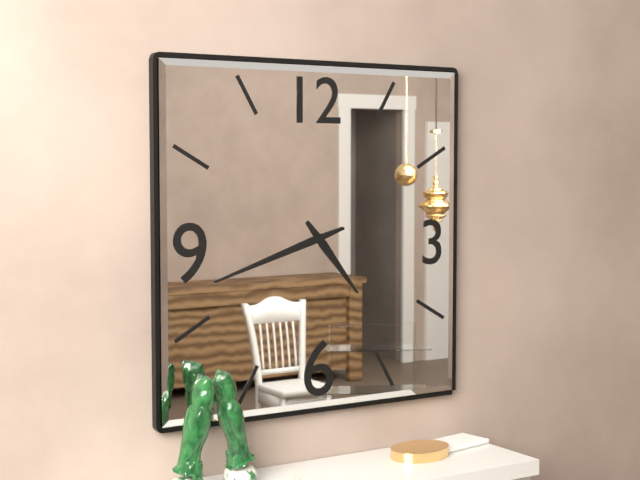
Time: h=4 m=42
